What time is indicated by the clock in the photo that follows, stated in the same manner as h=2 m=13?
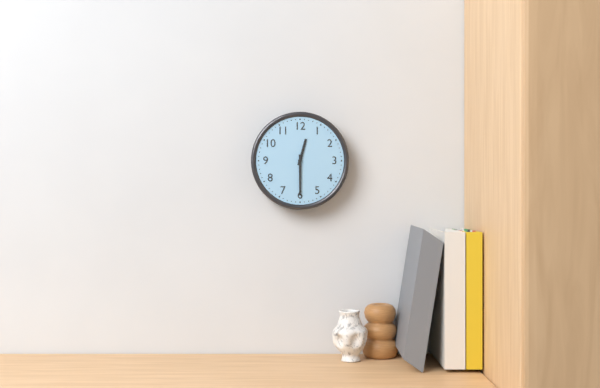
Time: h=12 m=30
